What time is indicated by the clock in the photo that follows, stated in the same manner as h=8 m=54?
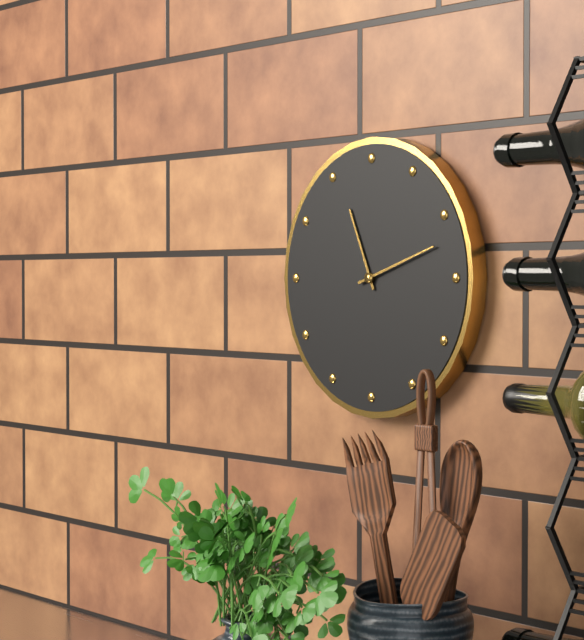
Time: h=11 m=12
